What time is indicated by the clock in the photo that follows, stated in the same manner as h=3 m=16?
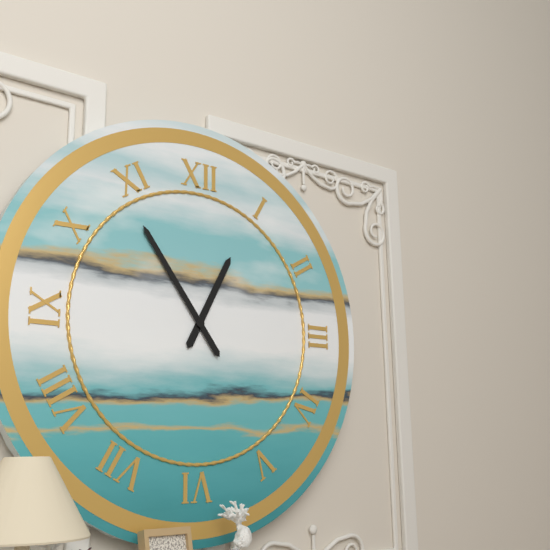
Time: h=12 m=54
